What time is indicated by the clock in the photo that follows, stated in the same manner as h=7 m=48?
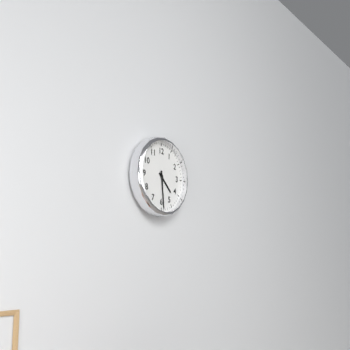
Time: h=4 m=29
